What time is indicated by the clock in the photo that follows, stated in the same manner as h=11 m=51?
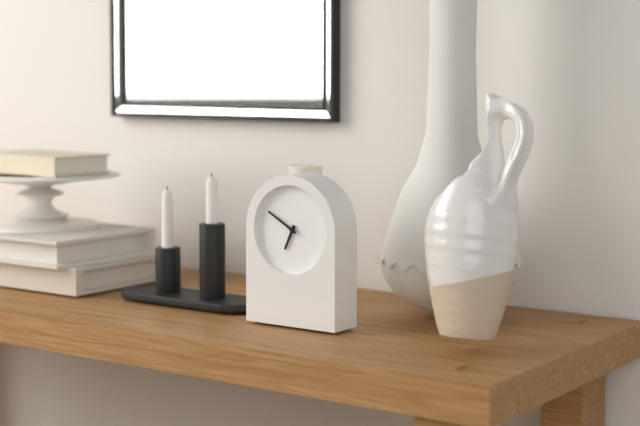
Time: h=6 m=50
